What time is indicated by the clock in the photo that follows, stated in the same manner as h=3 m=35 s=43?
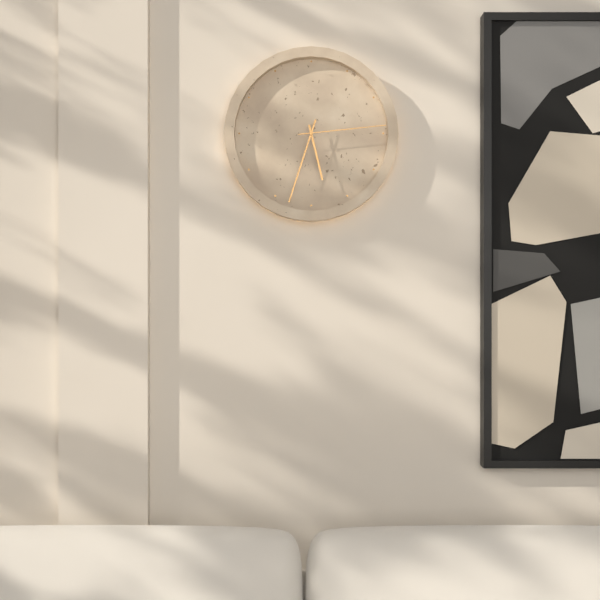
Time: h=5 m=33 s=14
